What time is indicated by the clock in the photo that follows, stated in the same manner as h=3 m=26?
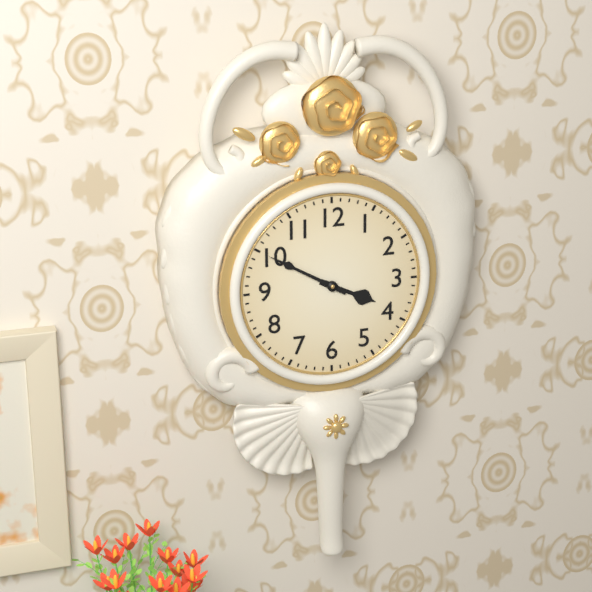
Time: h=3 m=50
